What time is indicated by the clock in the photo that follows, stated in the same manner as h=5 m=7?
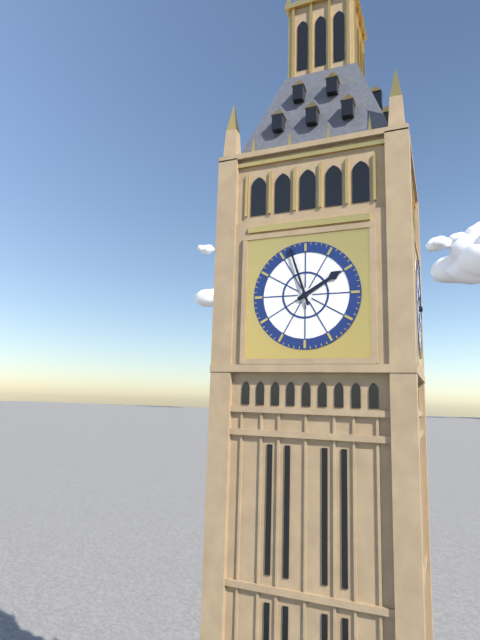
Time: h=1 m=57
